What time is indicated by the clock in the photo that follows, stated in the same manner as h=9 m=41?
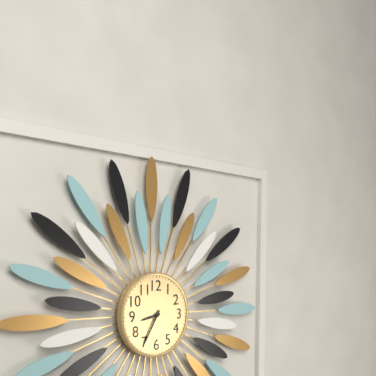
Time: h=8 m=35
